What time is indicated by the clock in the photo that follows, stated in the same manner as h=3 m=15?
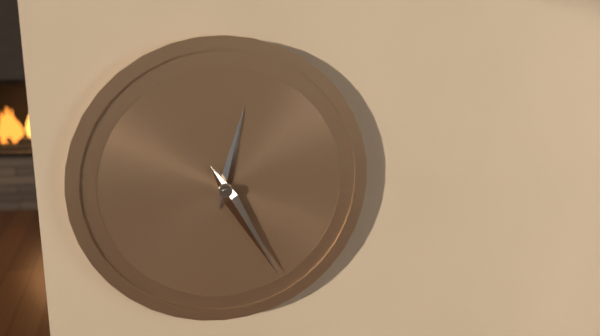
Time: h=12 m=25
